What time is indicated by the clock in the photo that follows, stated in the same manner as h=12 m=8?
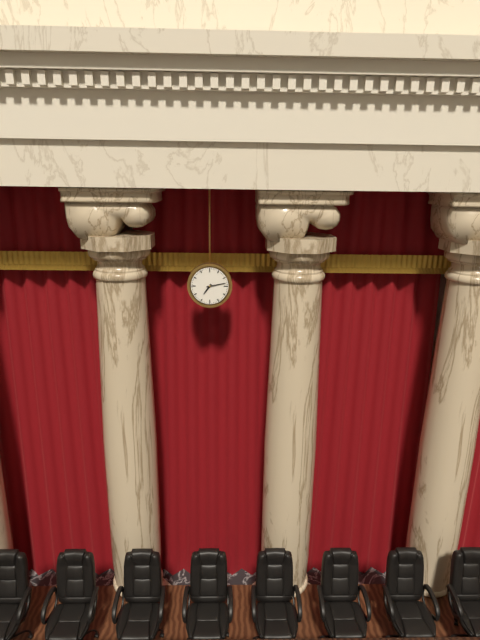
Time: h=7 m=13
